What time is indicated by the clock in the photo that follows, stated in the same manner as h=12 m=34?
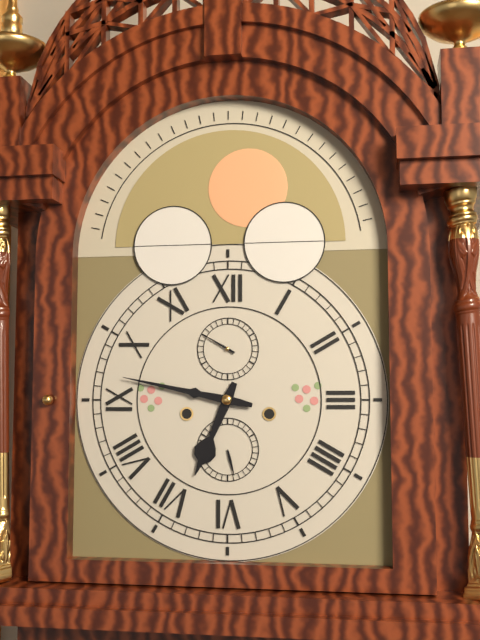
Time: h=6 m=47
